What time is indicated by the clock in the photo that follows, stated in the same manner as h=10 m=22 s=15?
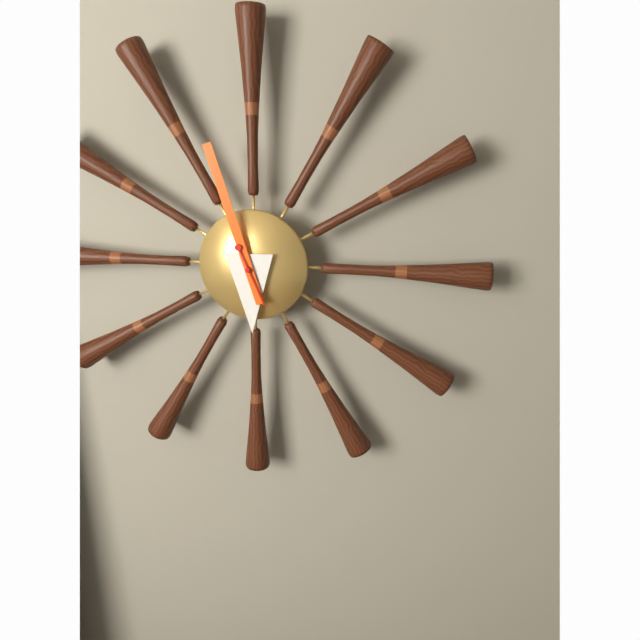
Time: h=5 m=57 s=26
